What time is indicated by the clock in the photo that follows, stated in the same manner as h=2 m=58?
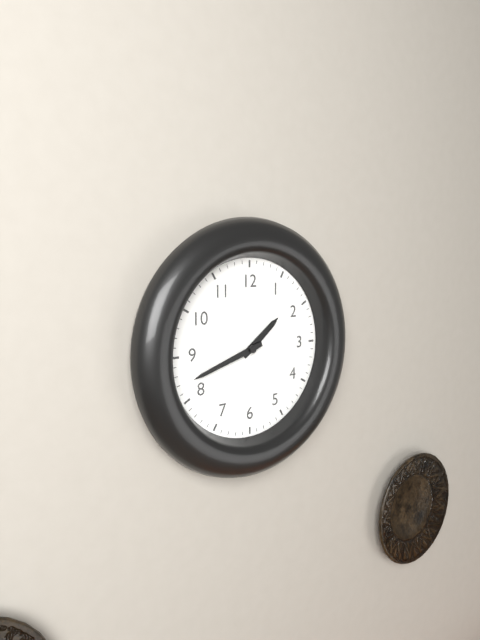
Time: h=1 m=42
